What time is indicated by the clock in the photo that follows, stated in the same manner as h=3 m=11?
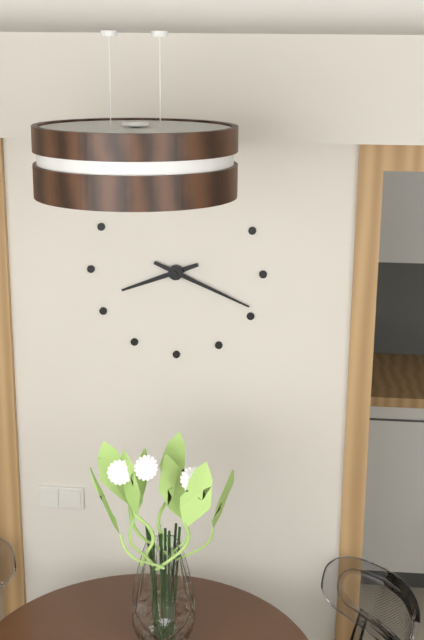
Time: h=8 m=19
